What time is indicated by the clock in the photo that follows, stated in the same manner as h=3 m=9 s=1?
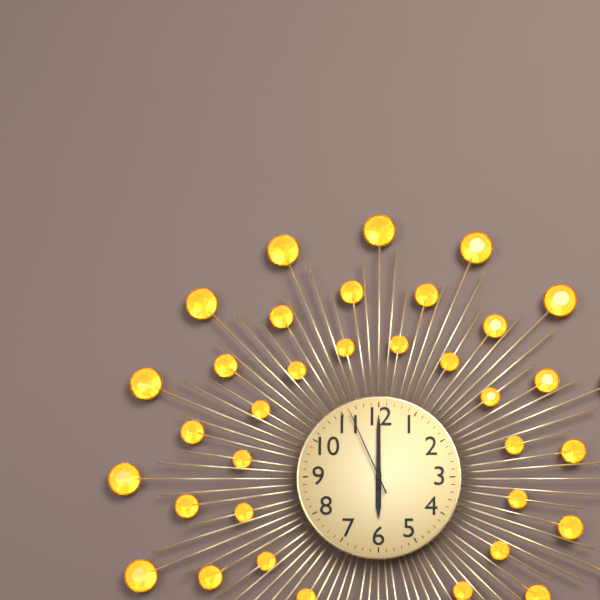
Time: h=6 m=0 s=56
